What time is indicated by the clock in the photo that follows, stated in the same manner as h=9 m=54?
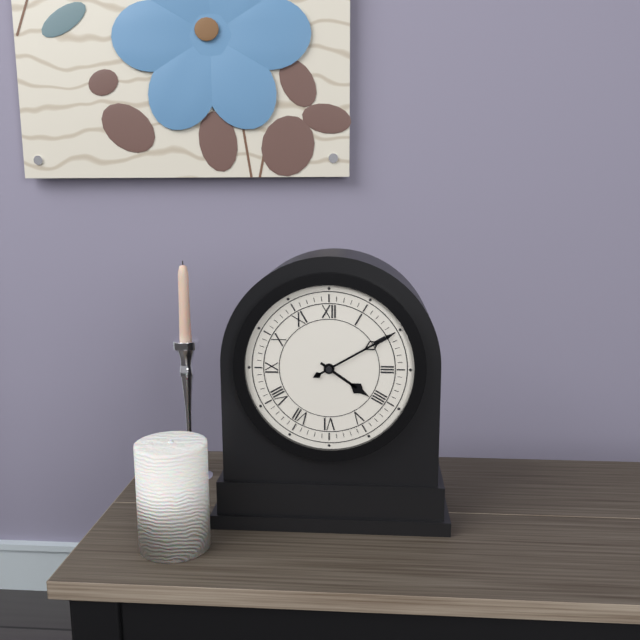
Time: h=4 m=10
